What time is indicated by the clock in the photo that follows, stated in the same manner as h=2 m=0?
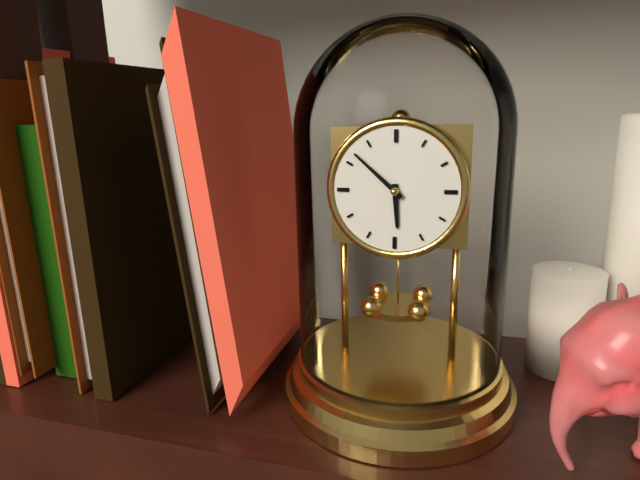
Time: h=5 m=52
